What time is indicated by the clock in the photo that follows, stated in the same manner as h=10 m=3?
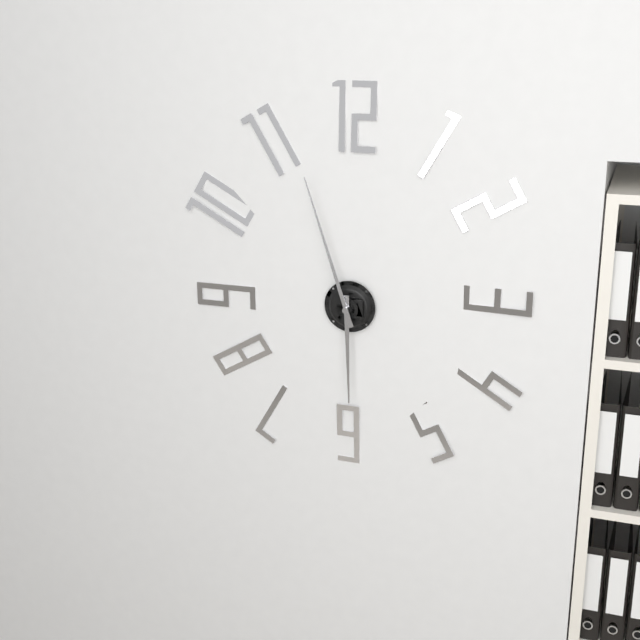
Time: h=5 m=57
